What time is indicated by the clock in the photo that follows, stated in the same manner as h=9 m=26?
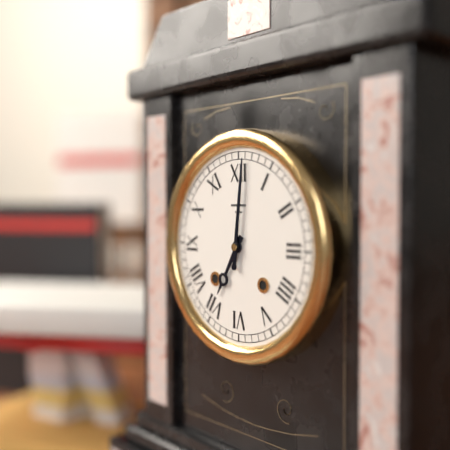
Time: h=7 m=1
